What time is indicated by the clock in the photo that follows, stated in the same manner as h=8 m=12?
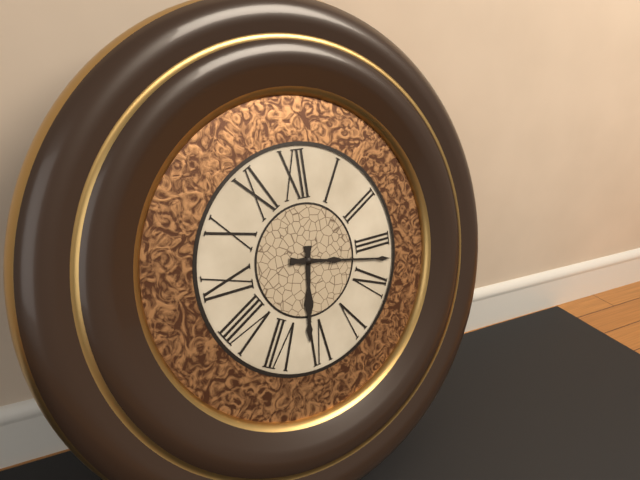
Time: h=6 m=17
